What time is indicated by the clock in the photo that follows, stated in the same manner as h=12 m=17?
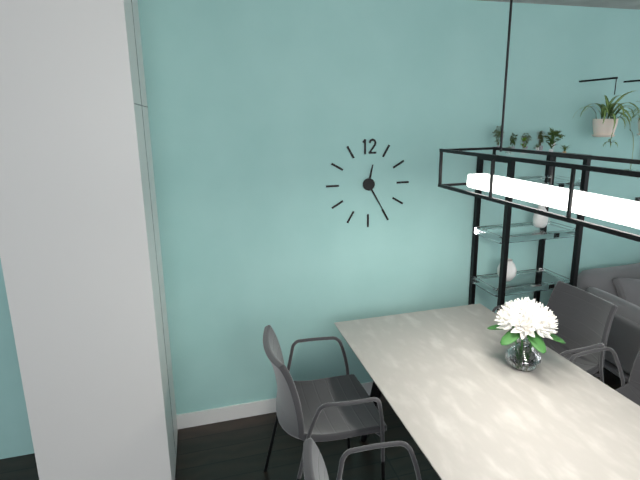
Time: h=12 m=25
